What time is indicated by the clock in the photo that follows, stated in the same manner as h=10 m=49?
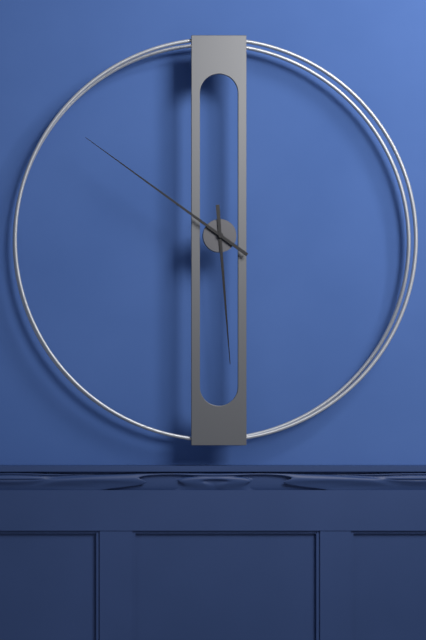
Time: h=5 m=51
